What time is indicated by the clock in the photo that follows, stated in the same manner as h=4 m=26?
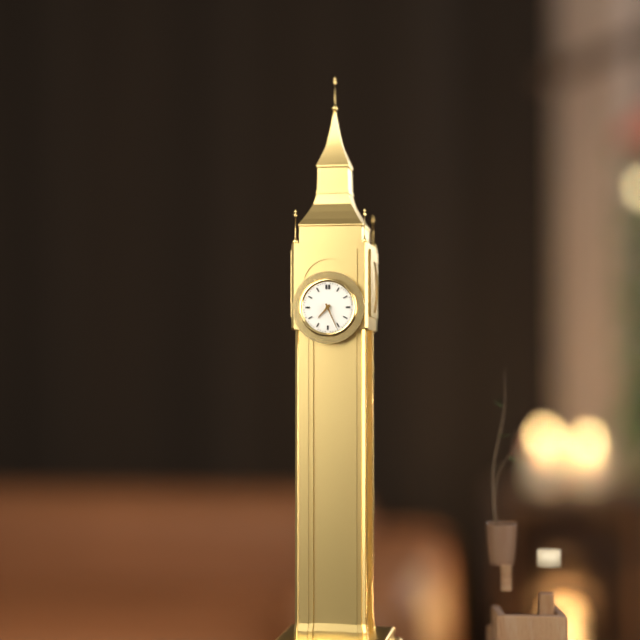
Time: h=7 m=26
